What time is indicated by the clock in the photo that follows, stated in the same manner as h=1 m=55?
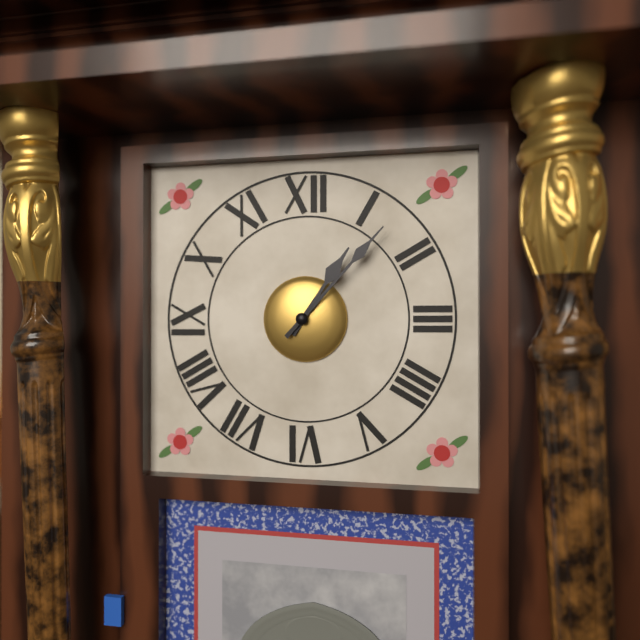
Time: h=1 m=7
